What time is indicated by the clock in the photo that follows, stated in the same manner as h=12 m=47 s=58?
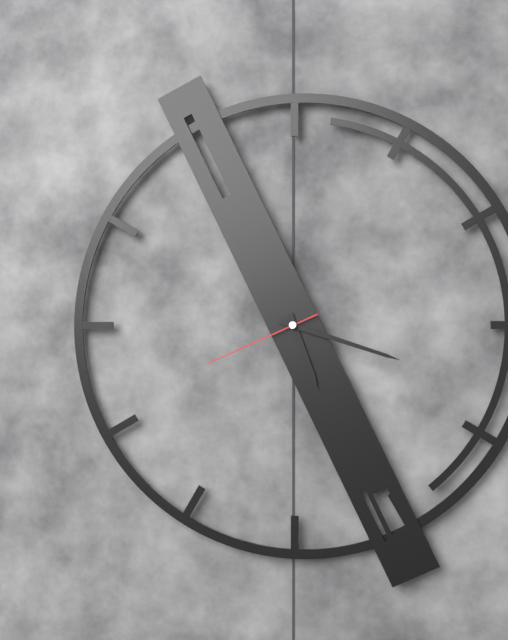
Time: h=5 m=18 s=41
